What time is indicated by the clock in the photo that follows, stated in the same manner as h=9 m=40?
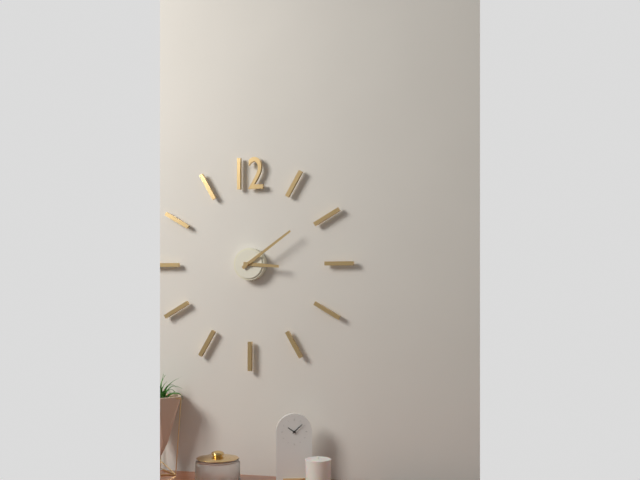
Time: h=3 m=9
